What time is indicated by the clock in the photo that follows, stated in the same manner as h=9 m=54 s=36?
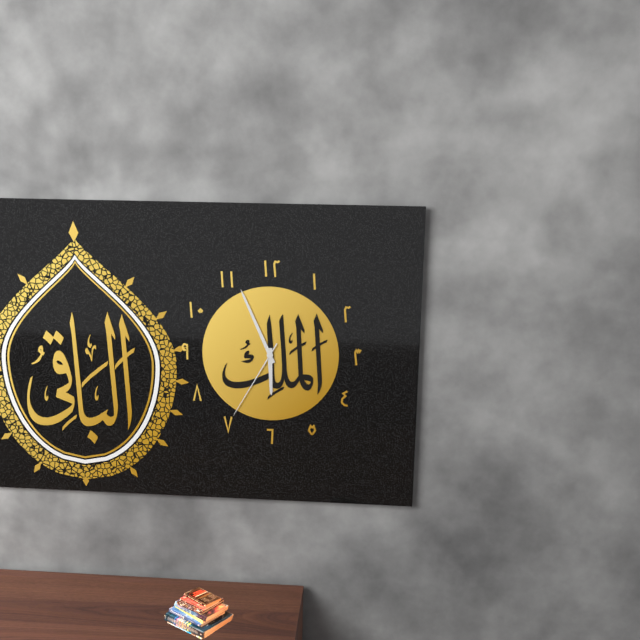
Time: h=5 m=56 s=35
